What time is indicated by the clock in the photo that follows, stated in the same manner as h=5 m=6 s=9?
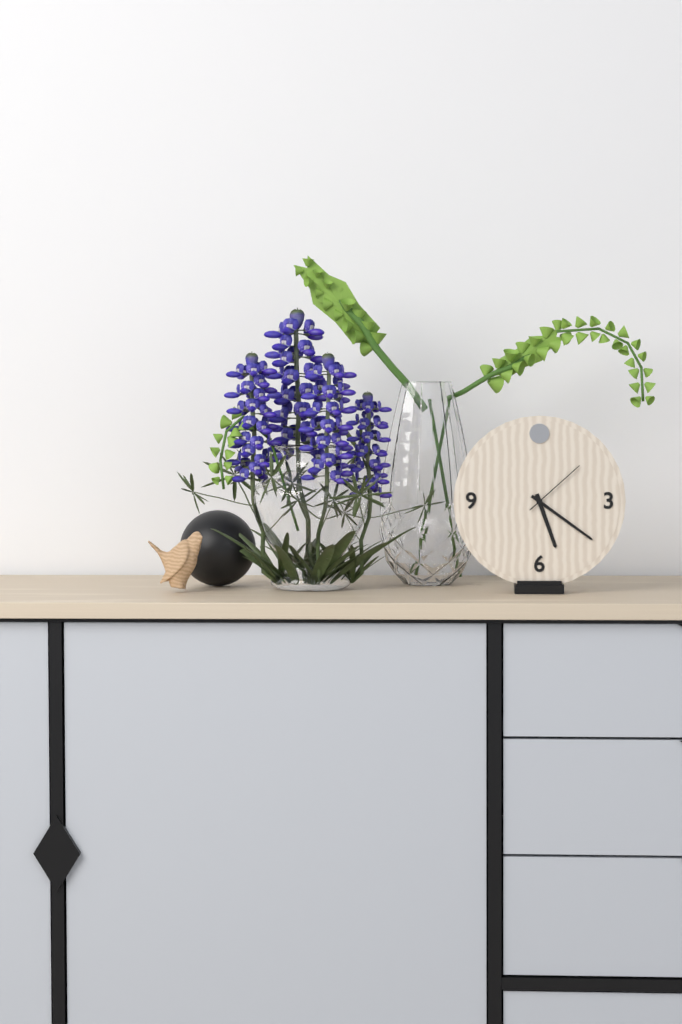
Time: h=5 m=21 s=8
